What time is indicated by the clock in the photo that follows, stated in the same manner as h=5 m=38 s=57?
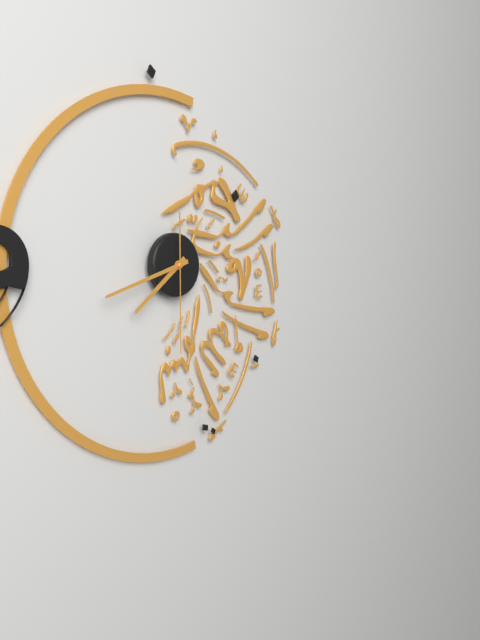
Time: h=7 m=42 s=30
